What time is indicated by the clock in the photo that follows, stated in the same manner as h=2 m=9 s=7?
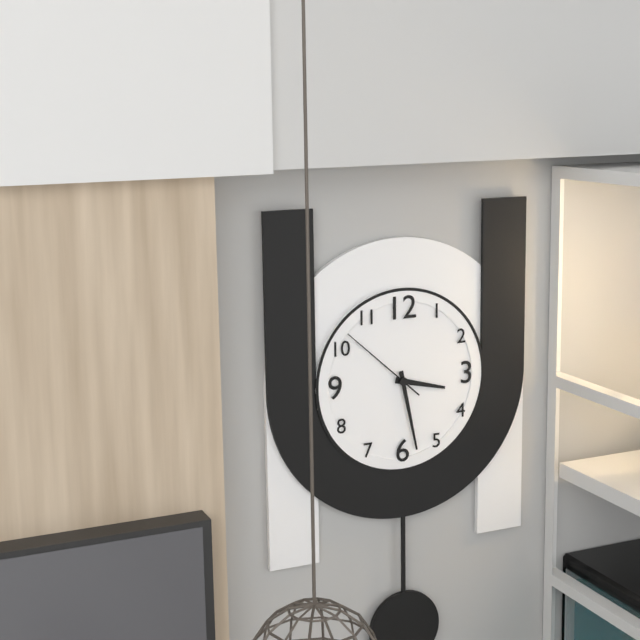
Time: h=3 m=28 s=52
